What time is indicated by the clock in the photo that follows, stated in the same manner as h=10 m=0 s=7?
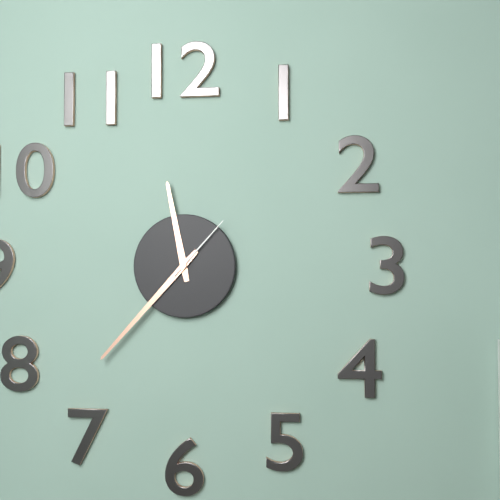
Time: h=11 m=37 s=7
